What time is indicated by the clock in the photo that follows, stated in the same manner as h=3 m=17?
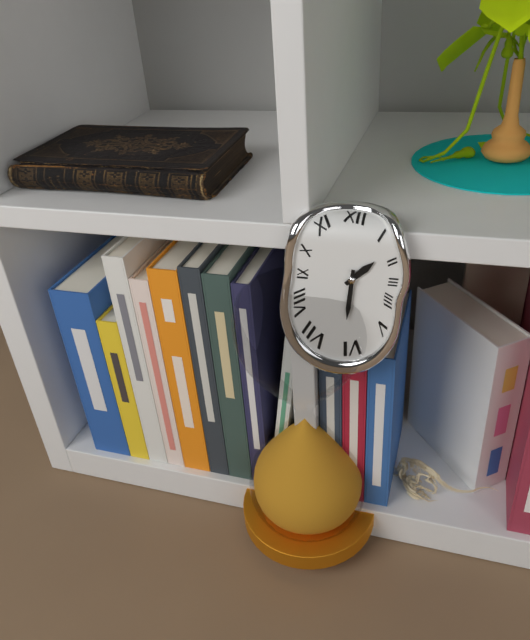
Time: h=1 m=31
